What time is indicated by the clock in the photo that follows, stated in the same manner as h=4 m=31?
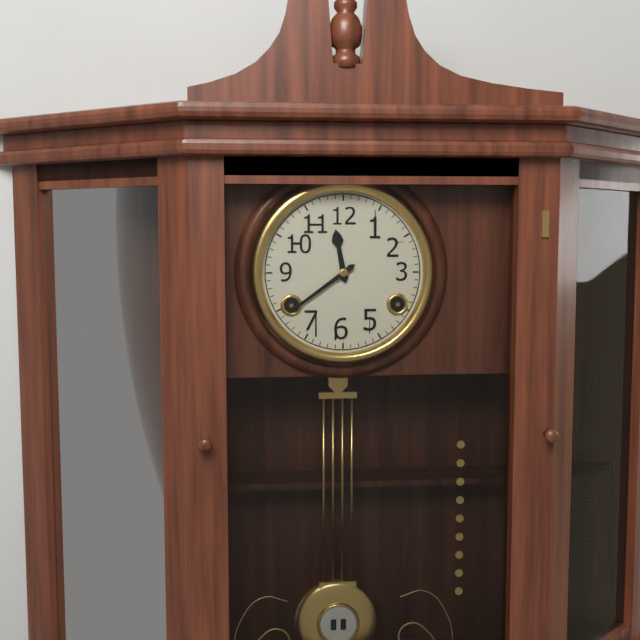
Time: h=11 m=39
